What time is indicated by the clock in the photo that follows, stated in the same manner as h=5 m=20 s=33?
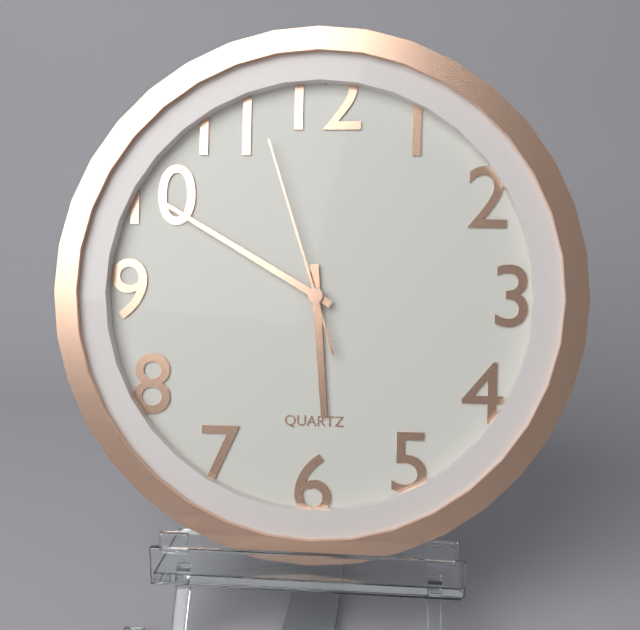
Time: h=5 m=50 s=57
